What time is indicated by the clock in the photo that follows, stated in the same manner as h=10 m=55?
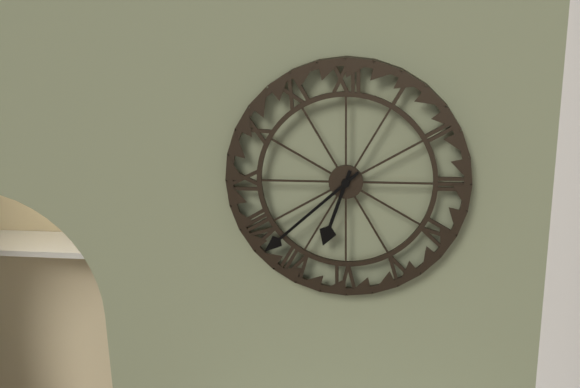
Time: h=6 m=38
